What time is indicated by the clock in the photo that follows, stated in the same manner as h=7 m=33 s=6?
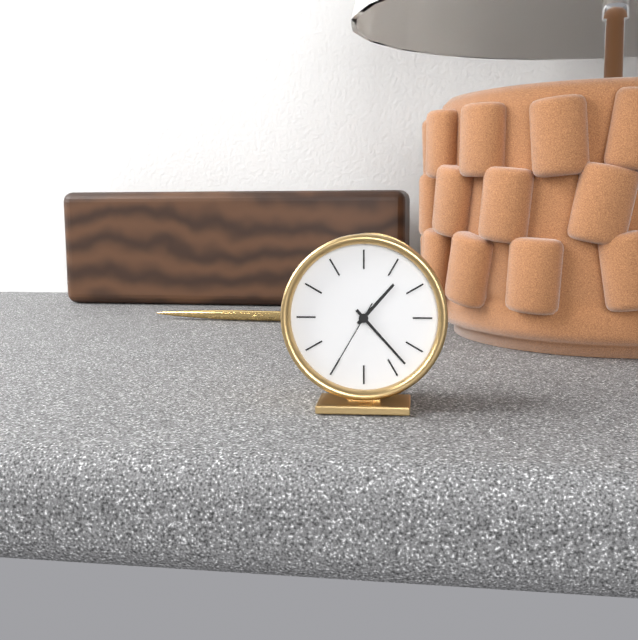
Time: h=1 m=23 s=35
